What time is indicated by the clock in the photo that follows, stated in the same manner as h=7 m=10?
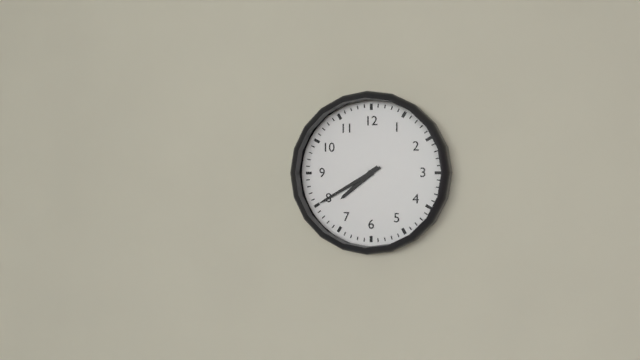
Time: h=7 m=40
